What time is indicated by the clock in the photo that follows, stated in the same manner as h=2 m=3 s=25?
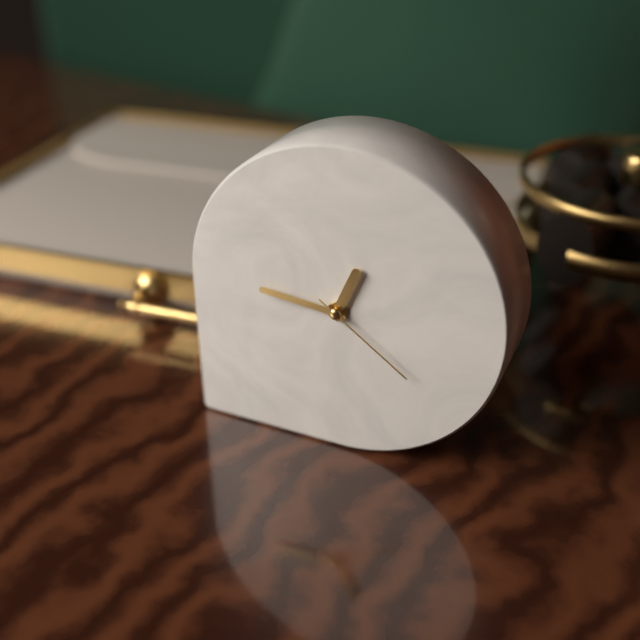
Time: h=12 m=46 s=21
